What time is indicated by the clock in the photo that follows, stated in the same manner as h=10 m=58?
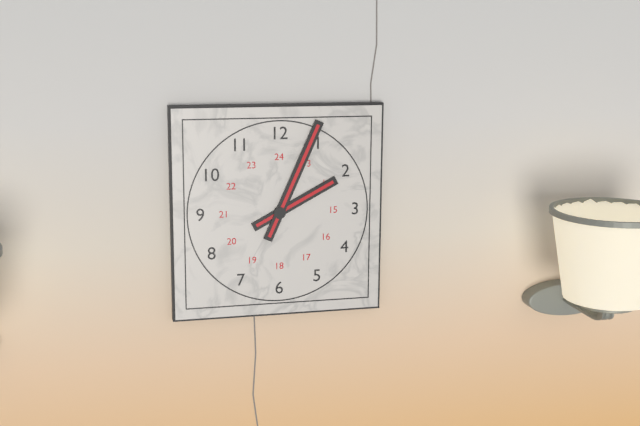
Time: h=2 m=4
